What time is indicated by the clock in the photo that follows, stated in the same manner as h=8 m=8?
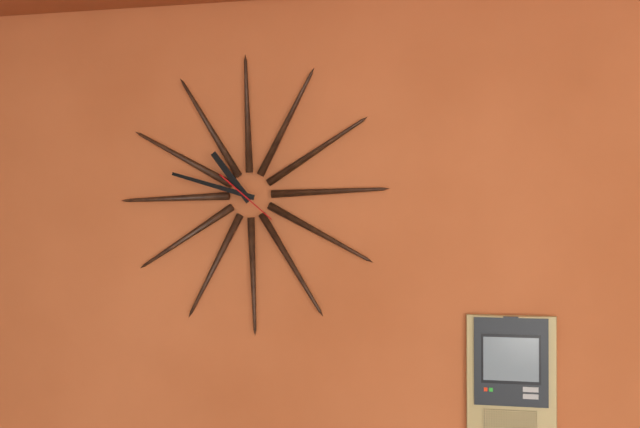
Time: h=10 m=48
